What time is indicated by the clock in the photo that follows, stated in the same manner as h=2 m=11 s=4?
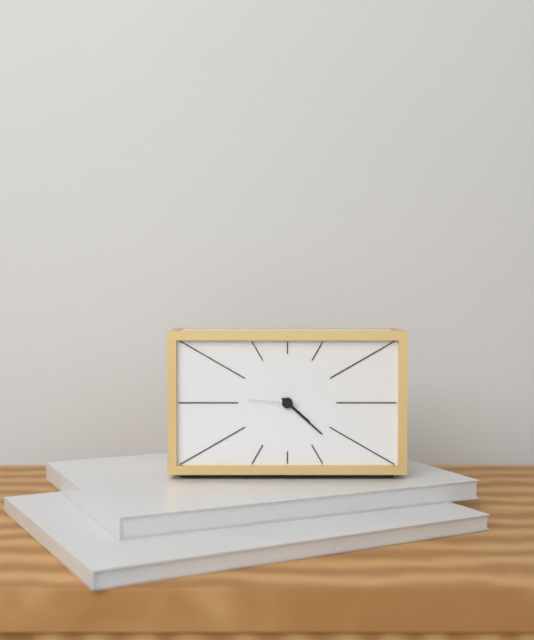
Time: h=4 m=22 s=46
